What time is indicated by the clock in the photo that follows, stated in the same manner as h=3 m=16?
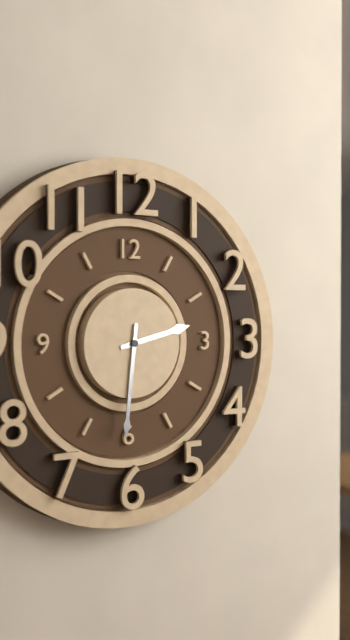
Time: h=2 m=31
